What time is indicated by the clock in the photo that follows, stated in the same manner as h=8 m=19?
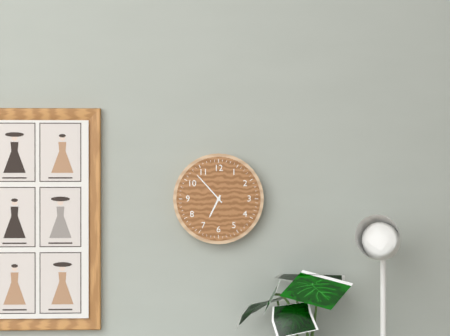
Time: h=6 m=53
